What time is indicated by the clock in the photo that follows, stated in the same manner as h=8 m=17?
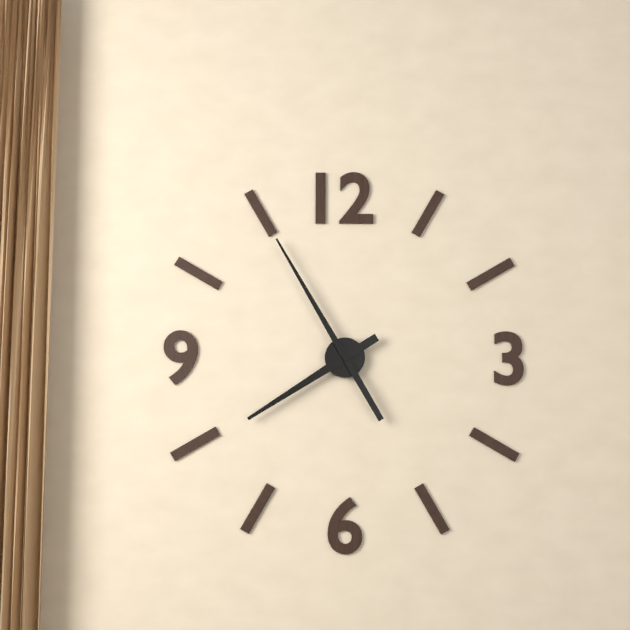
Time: h=7 m=55
